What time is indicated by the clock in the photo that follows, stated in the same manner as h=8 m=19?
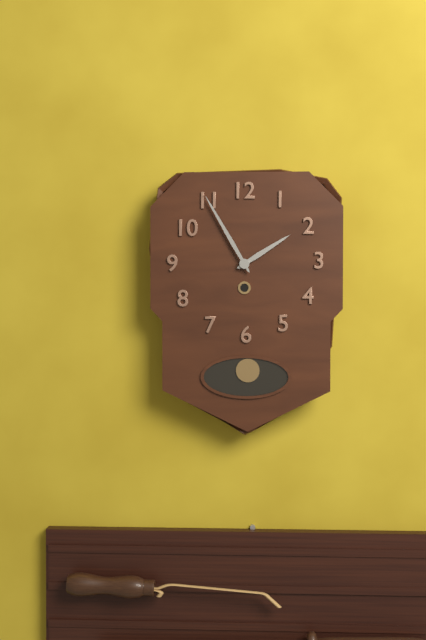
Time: h=1 m=55
